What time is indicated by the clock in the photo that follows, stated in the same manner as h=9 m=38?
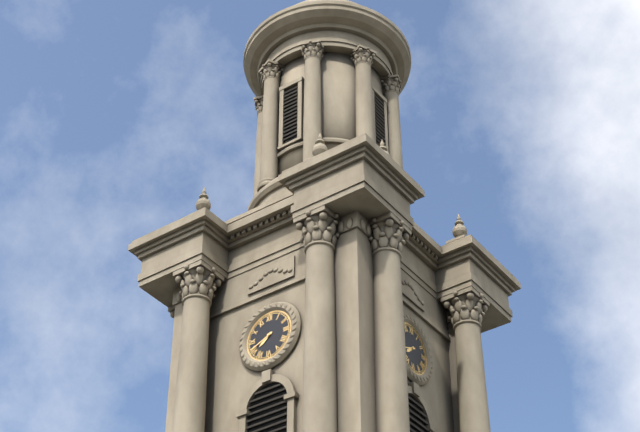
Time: h=7 m=41
